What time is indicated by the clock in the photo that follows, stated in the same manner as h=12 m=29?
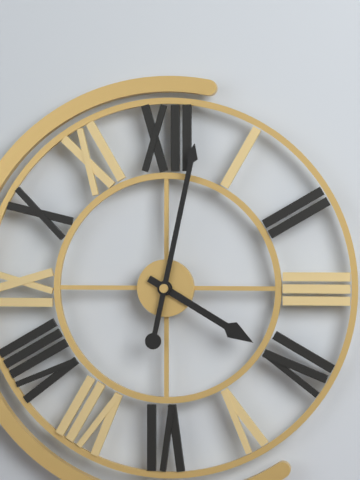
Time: h=4 m=2
